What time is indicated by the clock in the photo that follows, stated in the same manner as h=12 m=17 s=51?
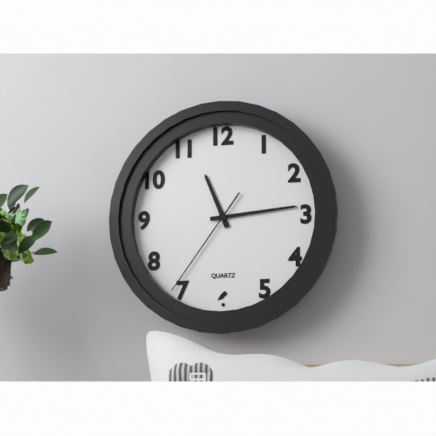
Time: h=11 m=14 s=36
